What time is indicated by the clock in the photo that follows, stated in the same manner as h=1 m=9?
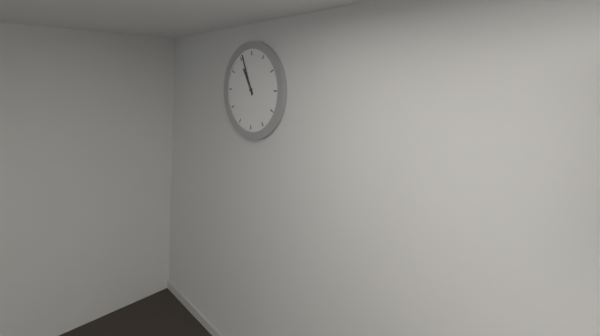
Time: h=10 m=56
